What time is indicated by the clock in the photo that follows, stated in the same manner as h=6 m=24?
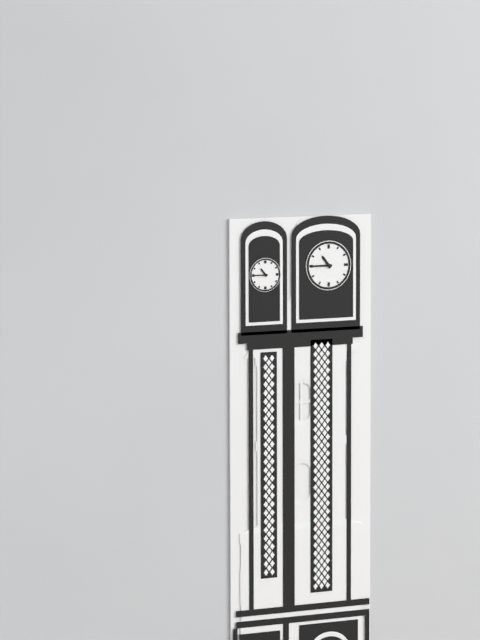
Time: h=10 m=45
